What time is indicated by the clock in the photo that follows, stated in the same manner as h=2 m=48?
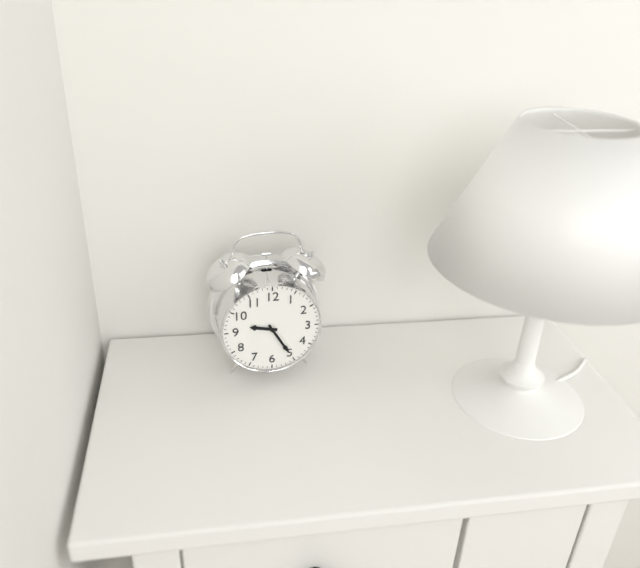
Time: h=9 m=25
